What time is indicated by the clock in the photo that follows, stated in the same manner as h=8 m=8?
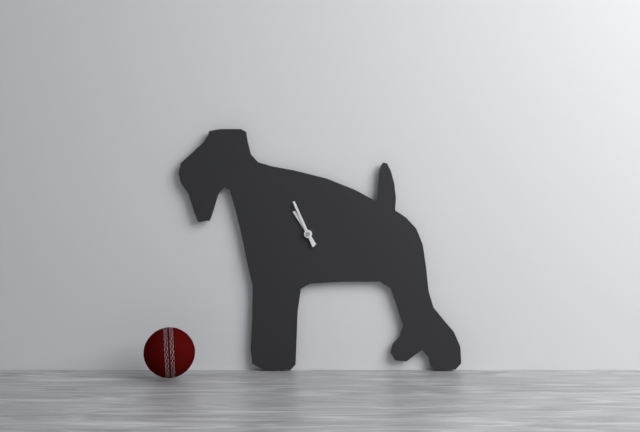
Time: h=10 m=56
